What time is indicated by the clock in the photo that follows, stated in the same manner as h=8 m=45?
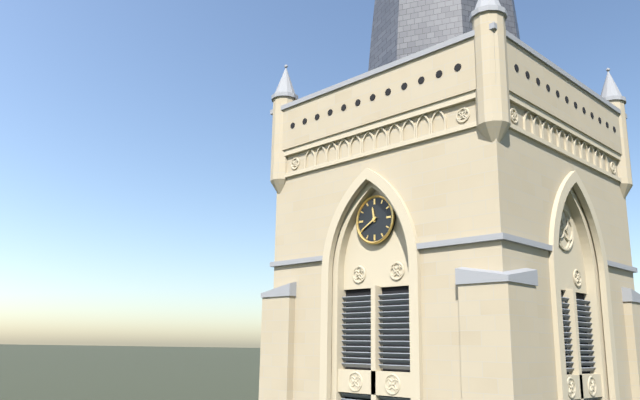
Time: h=11 m=40
